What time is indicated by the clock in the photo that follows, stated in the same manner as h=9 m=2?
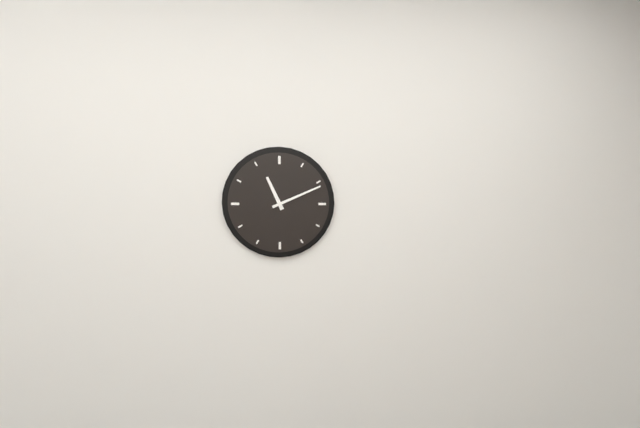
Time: h=11 m=11
